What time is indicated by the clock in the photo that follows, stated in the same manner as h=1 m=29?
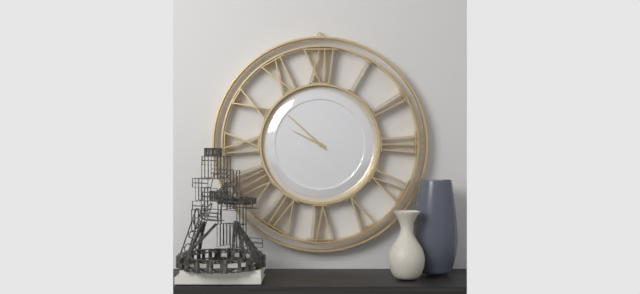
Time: h=9 m=52
